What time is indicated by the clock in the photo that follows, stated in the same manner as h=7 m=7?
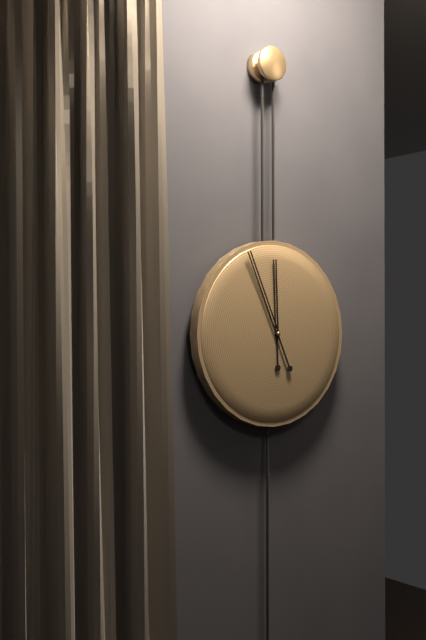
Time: h=11 m=56
